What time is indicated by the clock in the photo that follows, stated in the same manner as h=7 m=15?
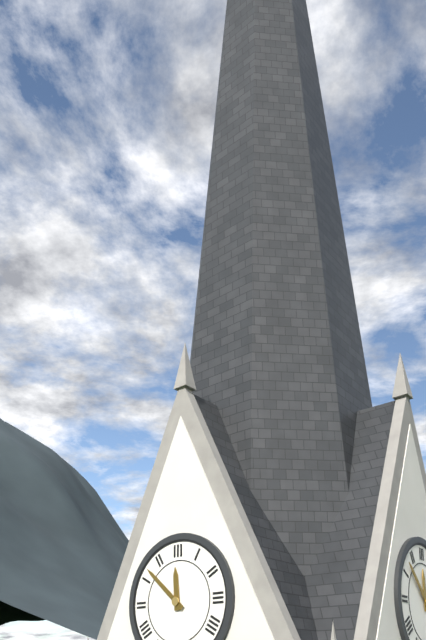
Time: h=11 m=52
